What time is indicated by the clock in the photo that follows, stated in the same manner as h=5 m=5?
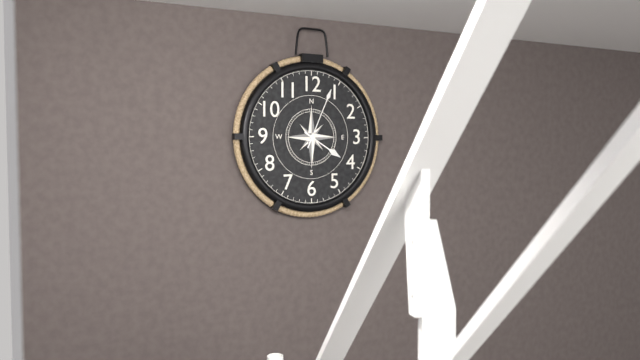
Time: h=4 m=4
